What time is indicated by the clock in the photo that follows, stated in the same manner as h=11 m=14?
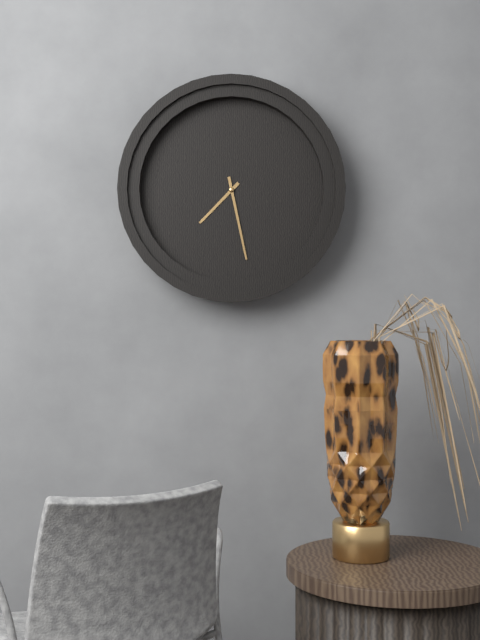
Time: h=7 m=28
